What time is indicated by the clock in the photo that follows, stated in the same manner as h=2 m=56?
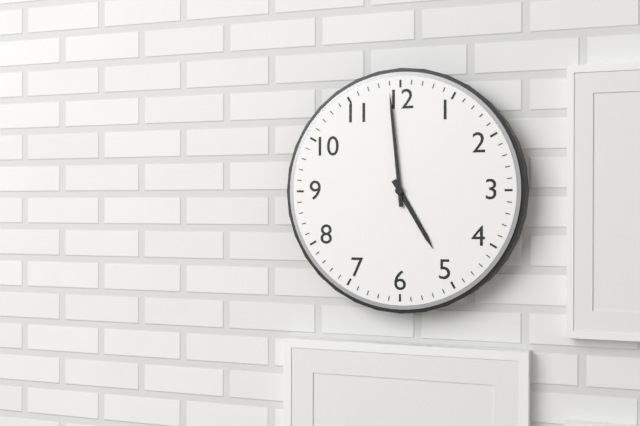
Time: h=4 m=59
